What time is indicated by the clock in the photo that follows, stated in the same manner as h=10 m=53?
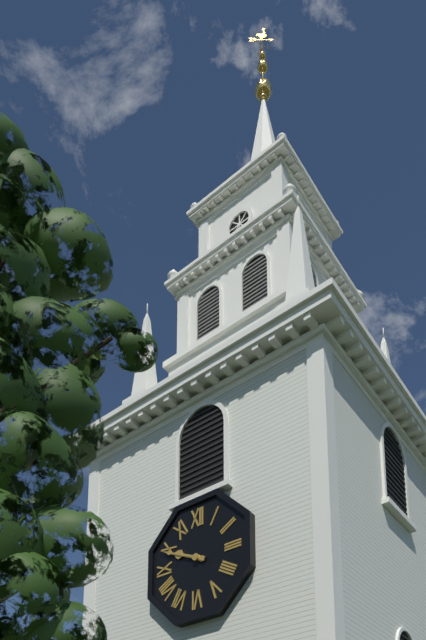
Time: h=9 m=49
